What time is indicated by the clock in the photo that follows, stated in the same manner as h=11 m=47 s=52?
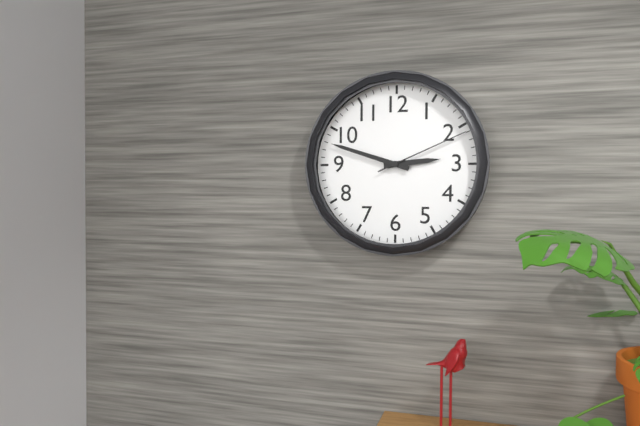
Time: h=2 m=48 s=11
